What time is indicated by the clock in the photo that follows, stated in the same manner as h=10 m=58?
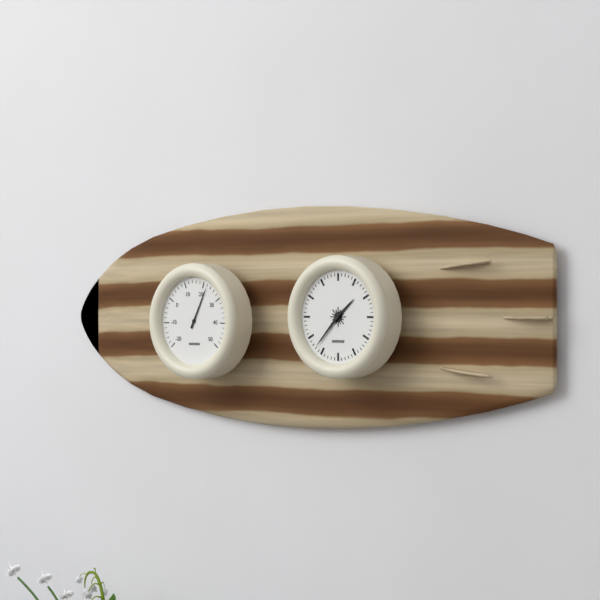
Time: h=1 m=37
